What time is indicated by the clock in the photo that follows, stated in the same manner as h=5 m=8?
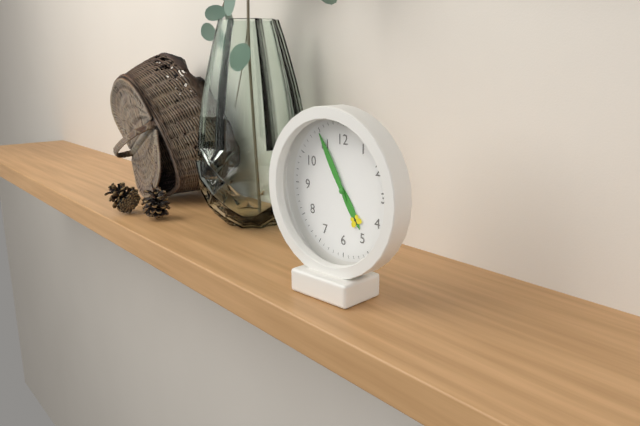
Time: h=4 m=55
